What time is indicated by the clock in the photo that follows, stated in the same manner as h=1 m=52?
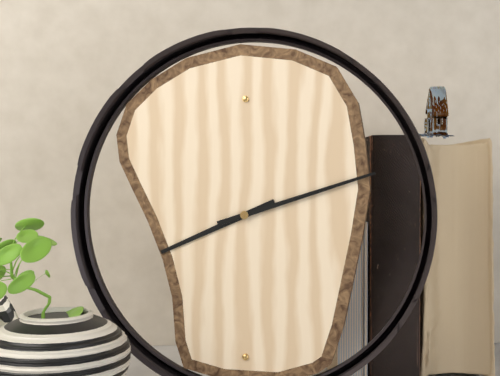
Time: h=8 m=12
